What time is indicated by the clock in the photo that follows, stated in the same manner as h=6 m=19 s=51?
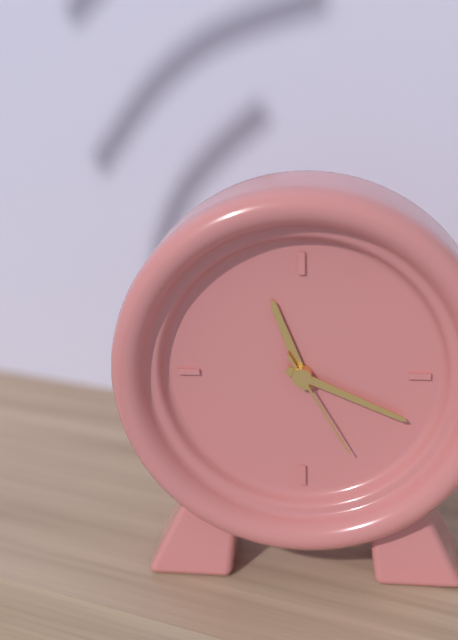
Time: h=11 m=19 s=25
